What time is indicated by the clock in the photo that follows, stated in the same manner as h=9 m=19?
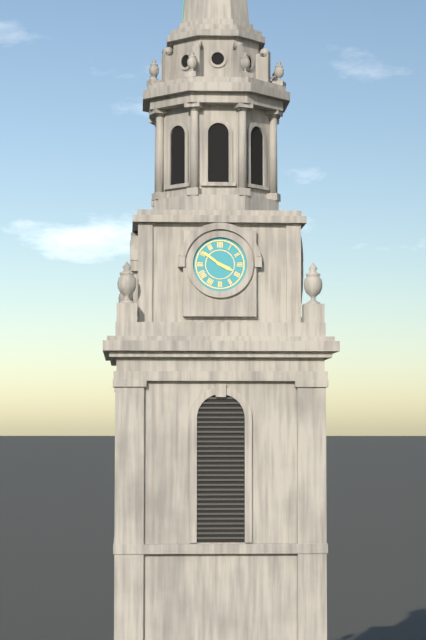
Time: h=3 m=51
